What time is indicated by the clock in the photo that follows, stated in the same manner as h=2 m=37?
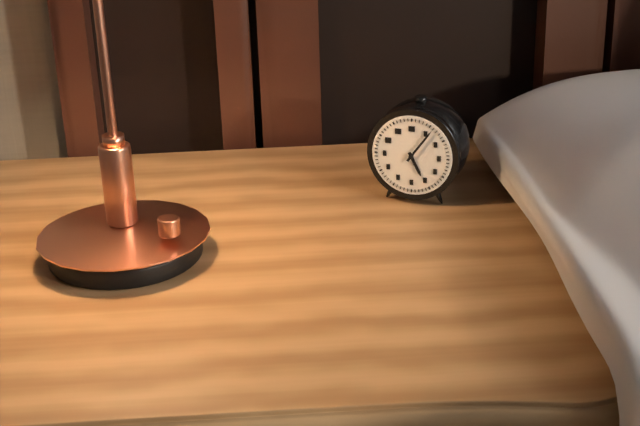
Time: h=5 m=6
